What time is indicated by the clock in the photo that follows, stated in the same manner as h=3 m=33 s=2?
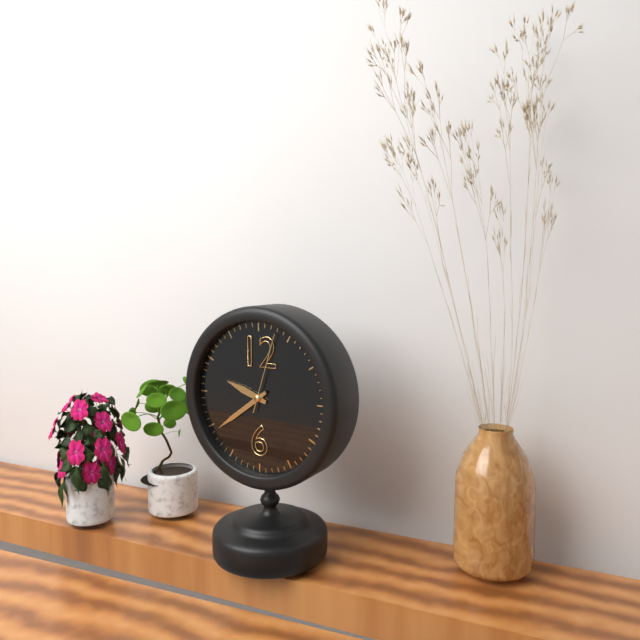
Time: h=9 m=39 s=3
